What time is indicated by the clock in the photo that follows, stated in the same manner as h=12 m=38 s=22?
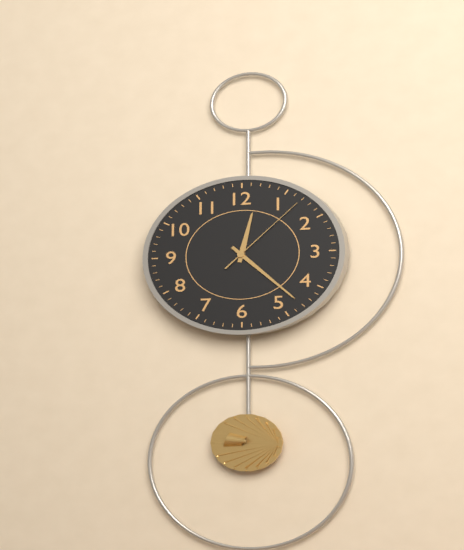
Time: h=12 m=23 s=7
